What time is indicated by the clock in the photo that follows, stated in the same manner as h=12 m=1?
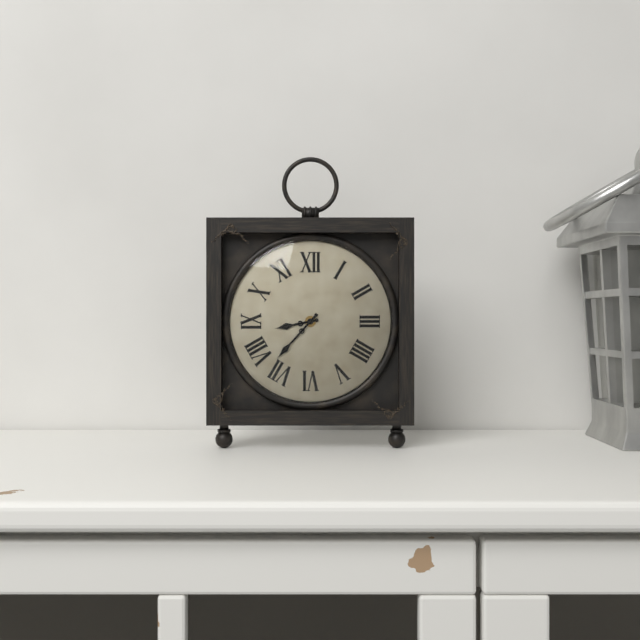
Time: h=8 m=37
